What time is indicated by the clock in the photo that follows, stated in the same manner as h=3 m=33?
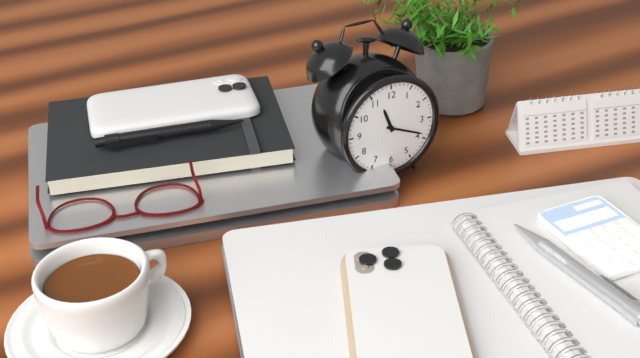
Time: h=11 m=19
